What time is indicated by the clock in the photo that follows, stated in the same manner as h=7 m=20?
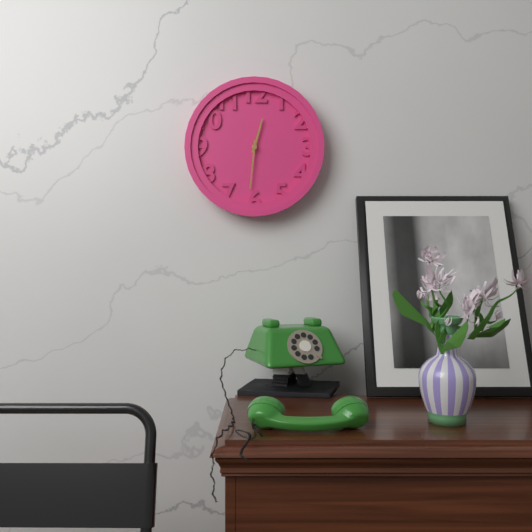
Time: h=12 m=31
